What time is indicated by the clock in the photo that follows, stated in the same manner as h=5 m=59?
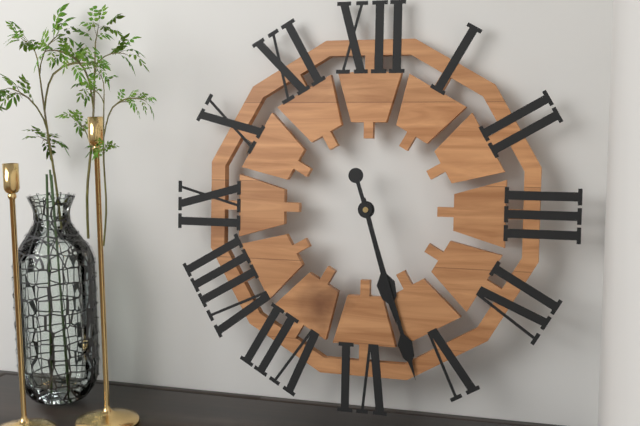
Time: h=5 m=27
